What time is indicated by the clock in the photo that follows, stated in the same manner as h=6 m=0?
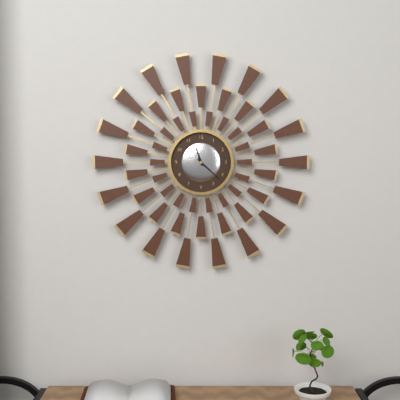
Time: h=11 m=22
